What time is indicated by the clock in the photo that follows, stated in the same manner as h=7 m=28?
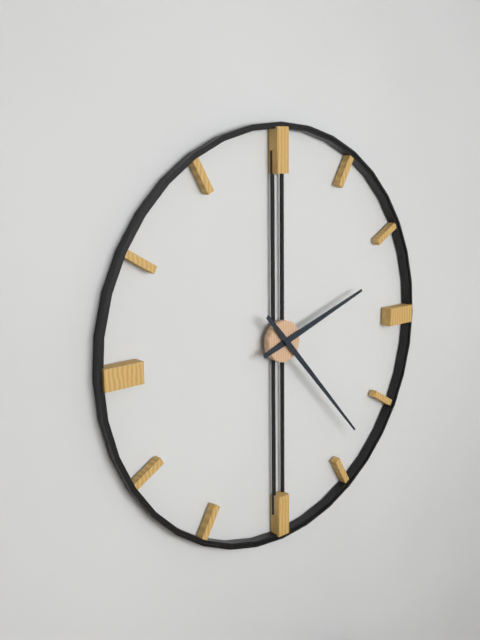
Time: h=2 m=23
